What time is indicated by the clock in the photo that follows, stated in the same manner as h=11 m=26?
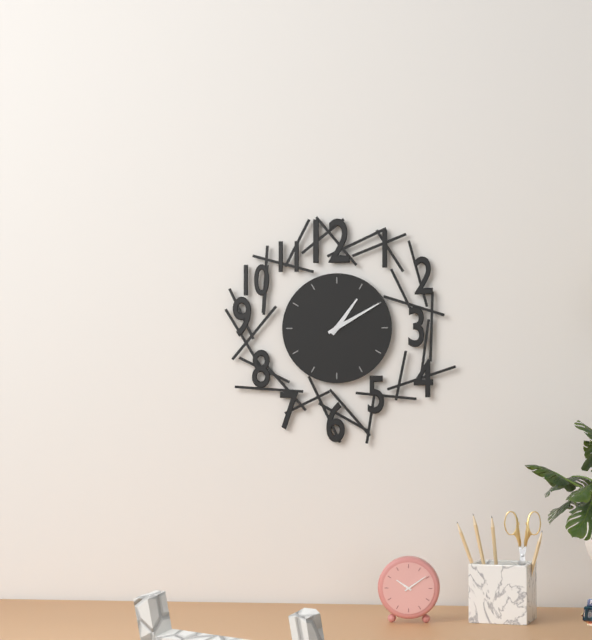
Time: h=1 m=10
